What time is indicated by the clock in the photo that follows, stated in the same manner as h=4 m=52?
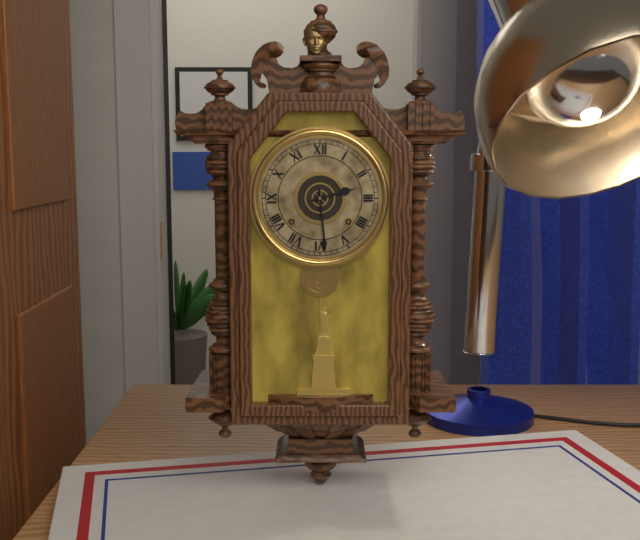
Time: h=2 m=29
